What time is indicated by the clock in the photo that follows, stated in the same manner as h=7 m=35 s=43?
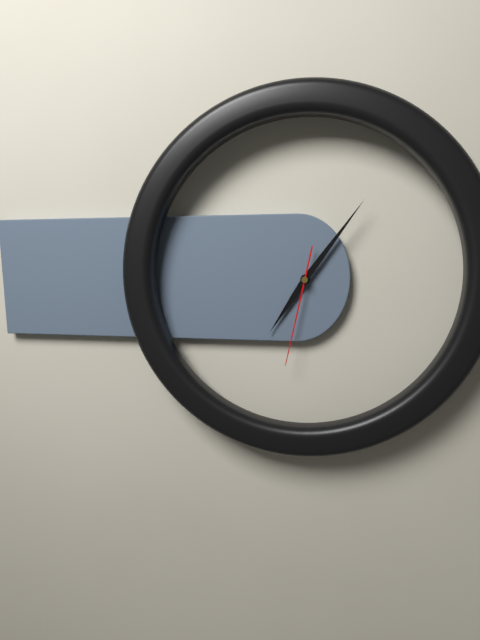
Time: h=7 m=6 s=32
